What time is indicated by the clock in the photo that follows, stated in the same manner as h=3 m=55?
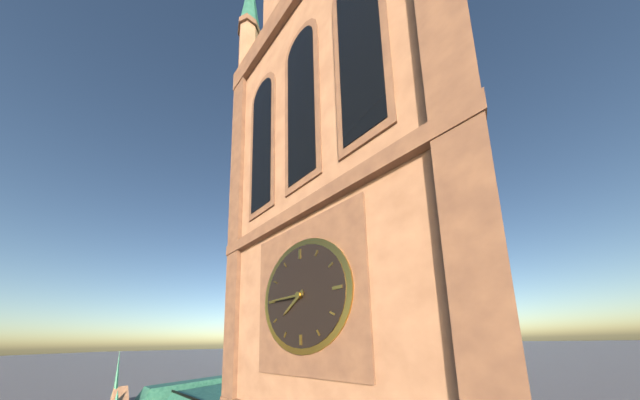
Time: h=7 m=45
